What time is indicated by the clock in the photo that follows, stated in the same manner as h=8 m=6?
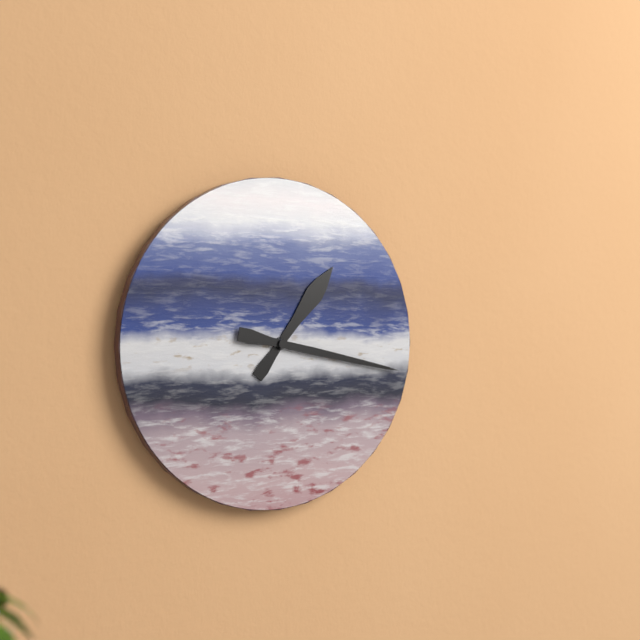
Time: h=1 m=17
